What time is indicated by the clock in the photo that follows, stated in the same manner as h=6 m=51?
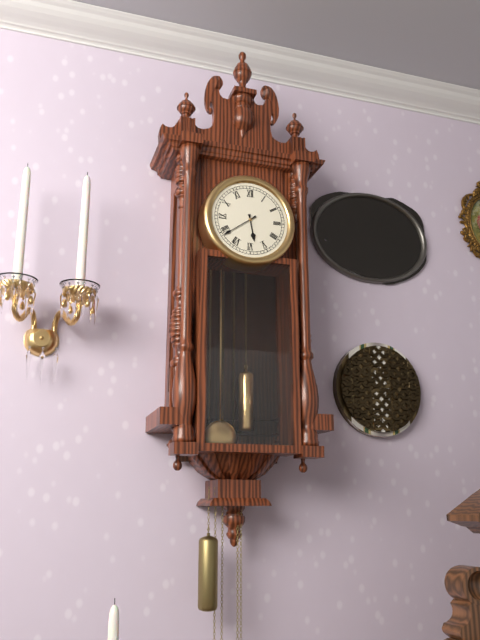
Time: h=5 m=39
